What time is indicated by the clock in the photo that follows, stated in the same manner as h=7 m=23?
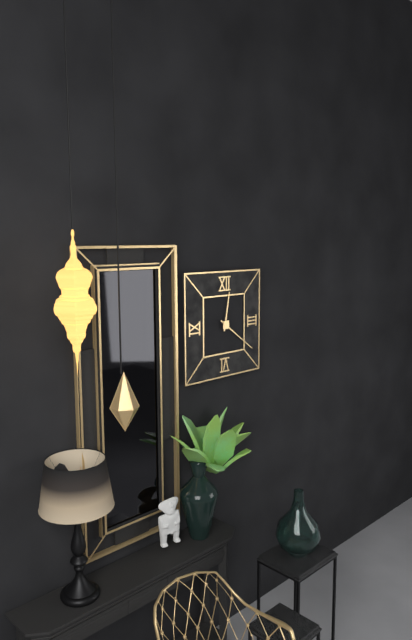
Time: h=12 m=21
